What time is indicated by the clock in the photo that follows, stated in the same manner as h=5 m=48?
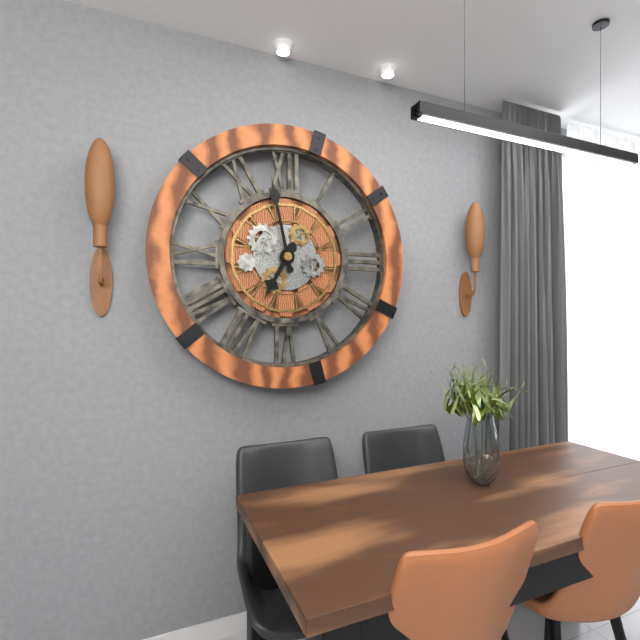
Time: h=6 m=58
